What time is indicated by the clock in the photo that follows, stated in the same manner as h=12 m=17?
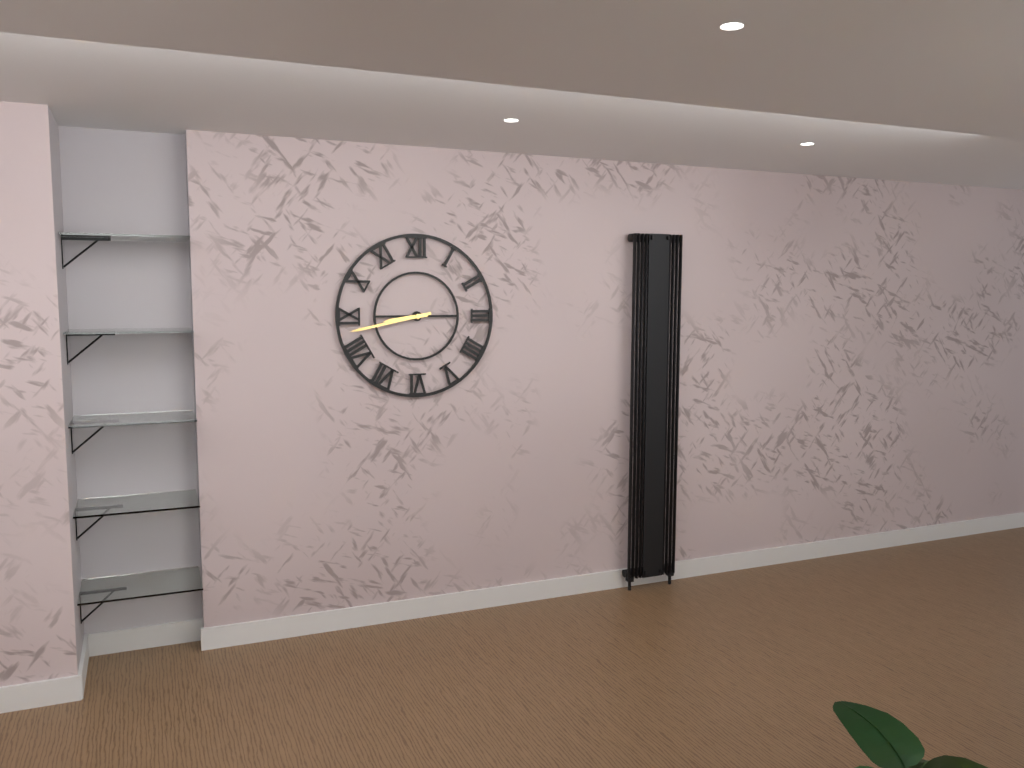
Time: h=8 m=43
